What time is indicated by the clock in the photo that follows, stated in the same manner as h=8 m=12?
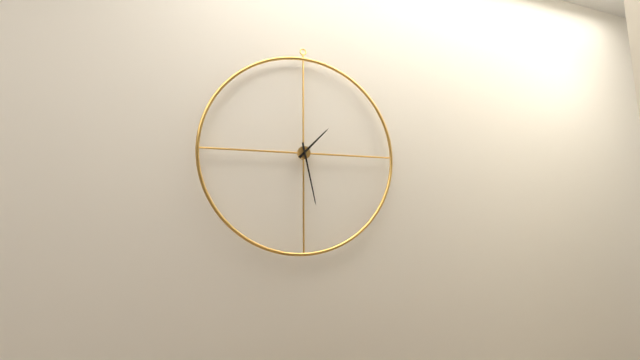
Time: h=1 m=28
